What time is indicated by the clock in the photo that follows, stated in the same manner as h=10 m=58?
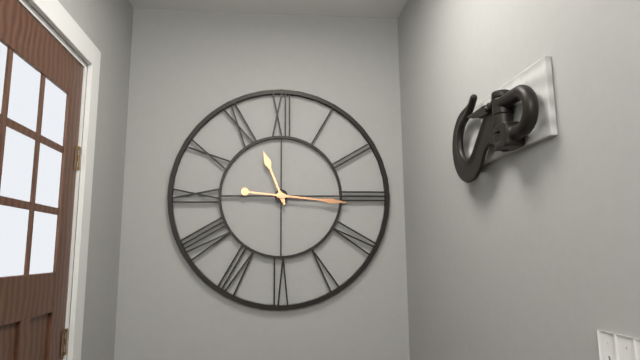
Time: h=11 m=16
